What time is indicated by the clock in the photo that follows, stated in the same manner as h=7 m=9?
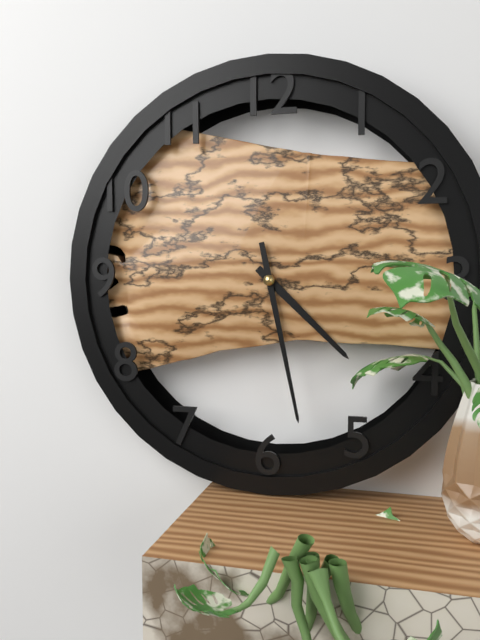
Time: h=4 m=28
